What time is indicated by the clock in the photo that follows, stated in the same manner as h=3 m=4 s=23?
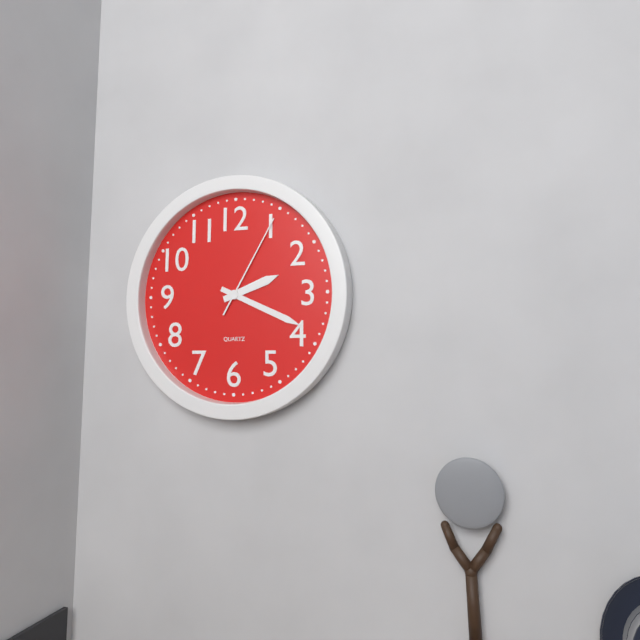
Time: h=2 m=19 s=5
